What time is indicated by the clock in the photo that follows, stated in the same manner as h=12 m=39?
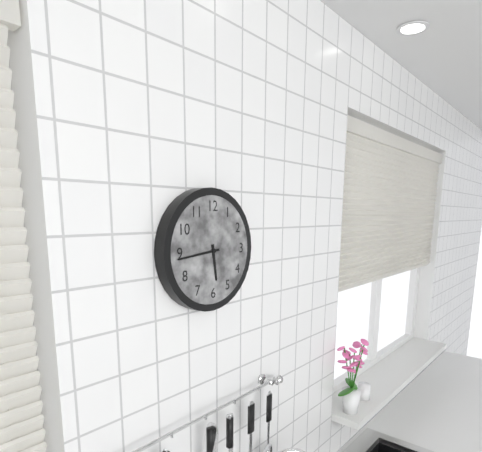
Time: h=5 m=44
